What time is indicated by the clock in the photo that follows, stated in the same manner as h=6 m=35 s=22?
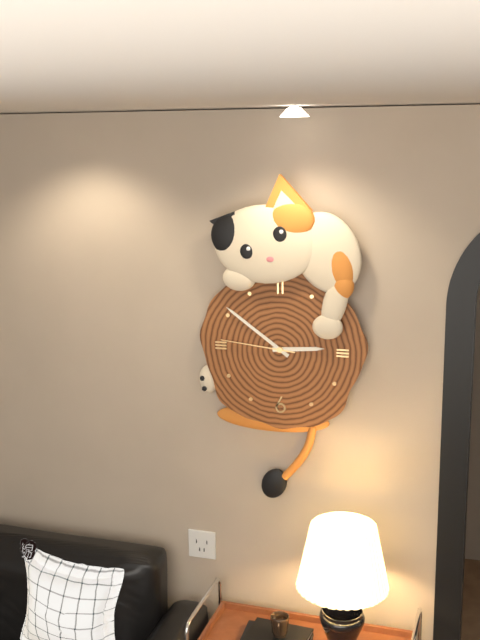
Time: h=2 m=51 s=46
